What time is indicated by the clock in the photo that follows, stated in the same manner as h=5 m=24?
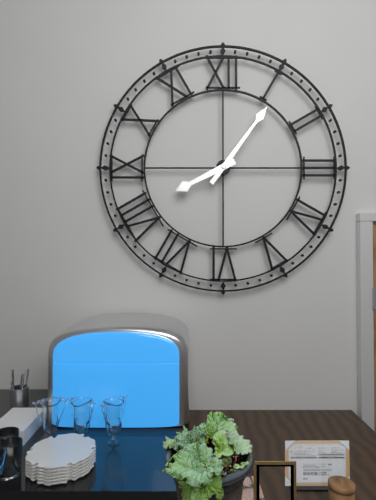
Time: h=8 m=6
